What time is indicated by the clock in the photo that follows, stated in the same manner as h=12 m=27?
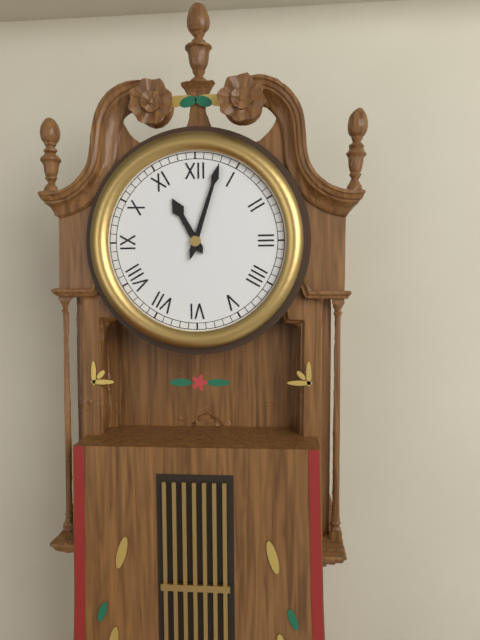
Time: h=11 m=3
